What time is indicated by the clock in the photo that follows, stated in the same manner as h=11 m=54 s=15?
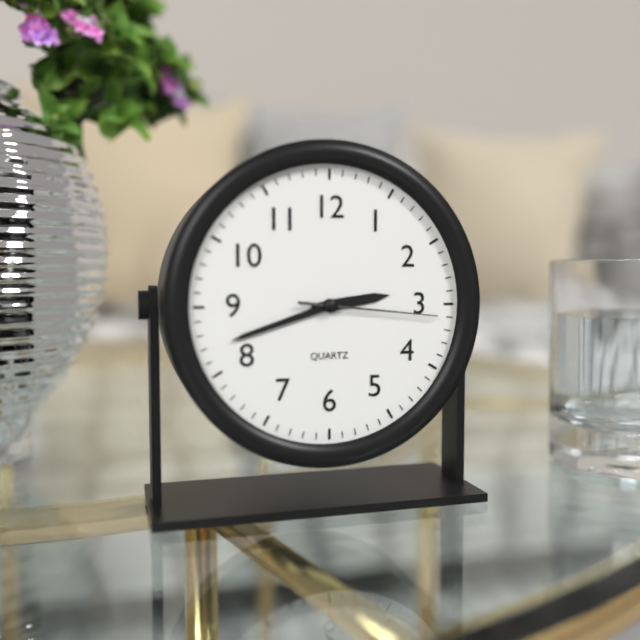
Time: h=2 m=42 s=16
